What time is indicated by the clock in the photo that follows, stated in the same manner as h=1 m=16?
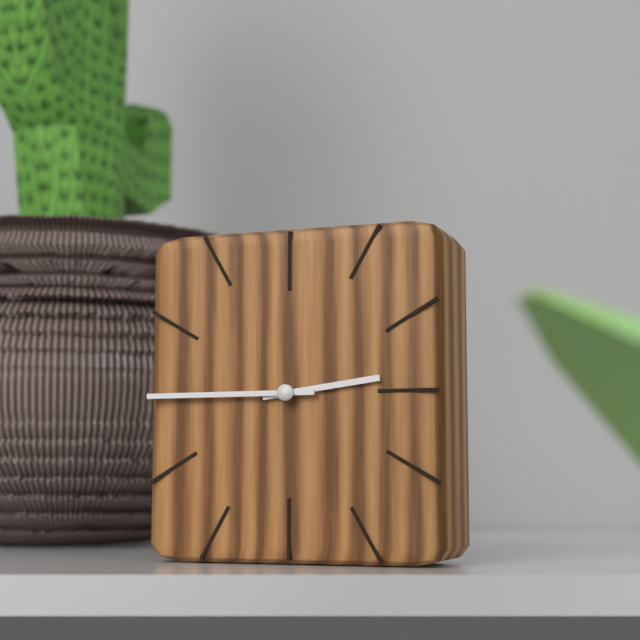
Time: h=2 m=45
